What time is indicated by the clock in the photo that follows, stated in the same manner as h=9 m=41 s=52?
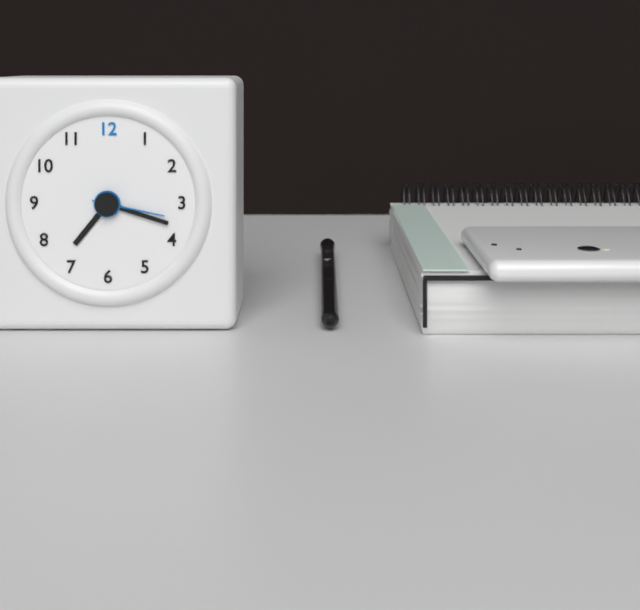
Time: h=7 m=18 s=17
